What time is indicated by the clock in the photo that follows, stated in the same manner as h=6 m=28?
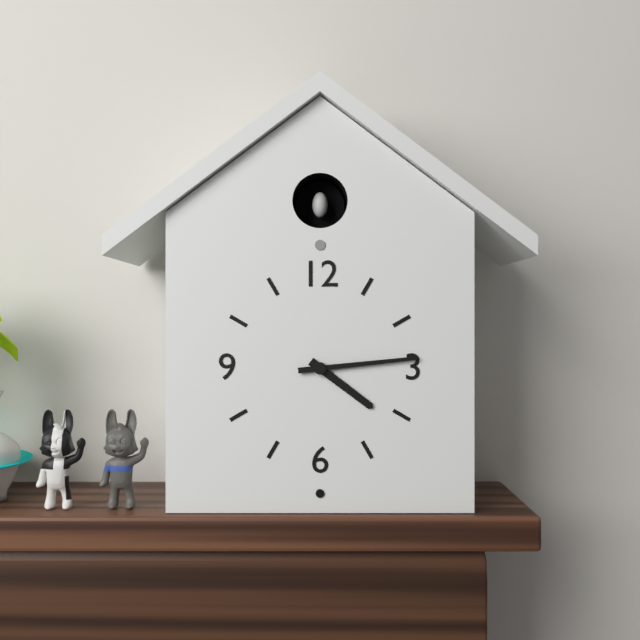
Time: h=4 m=14
